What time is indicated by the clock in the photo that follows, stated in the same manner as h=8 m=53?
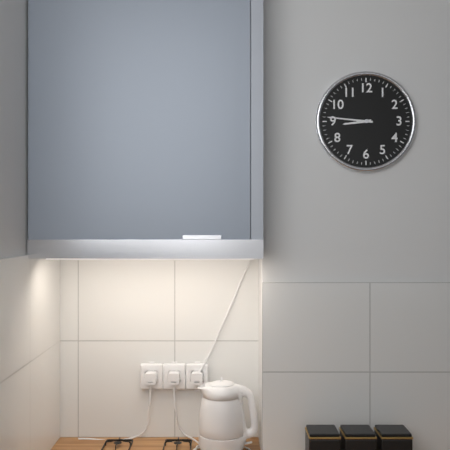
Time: h=8 m=46
